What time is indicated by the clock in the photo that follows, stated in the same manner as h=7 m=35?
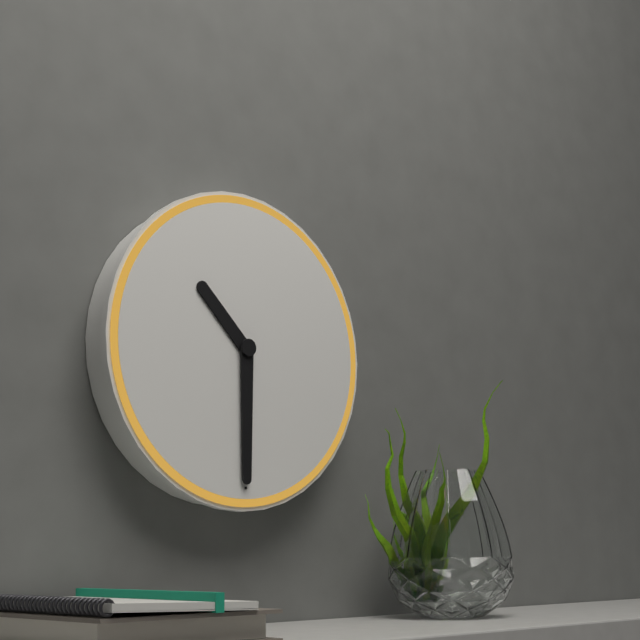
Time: h=10 m=30
